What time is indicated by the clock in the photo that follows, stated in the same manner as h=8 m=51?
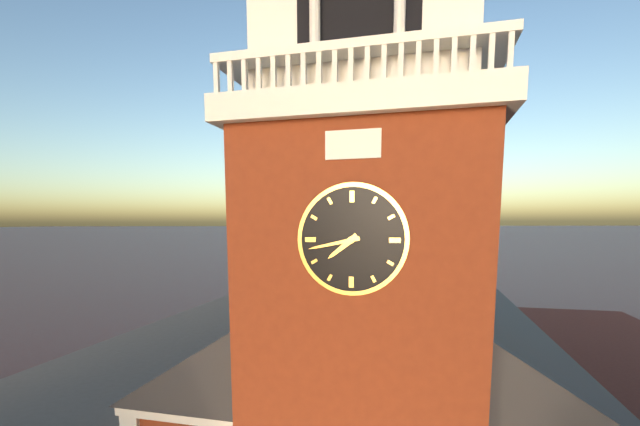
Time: h=7 m=43
